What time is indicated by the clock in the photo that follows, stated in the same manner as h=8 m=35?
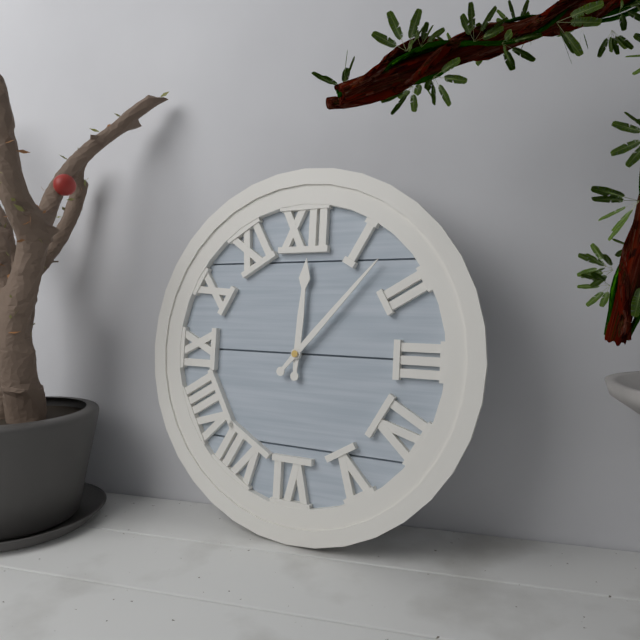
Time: h=12 m=7
